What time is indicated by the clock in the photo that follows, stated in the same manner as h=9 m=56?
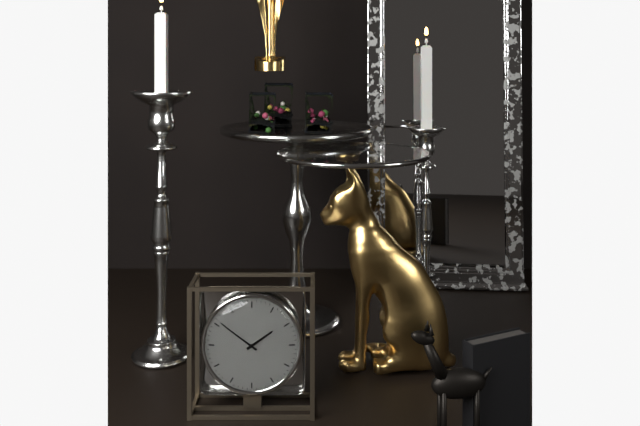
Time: h=1 m=51
